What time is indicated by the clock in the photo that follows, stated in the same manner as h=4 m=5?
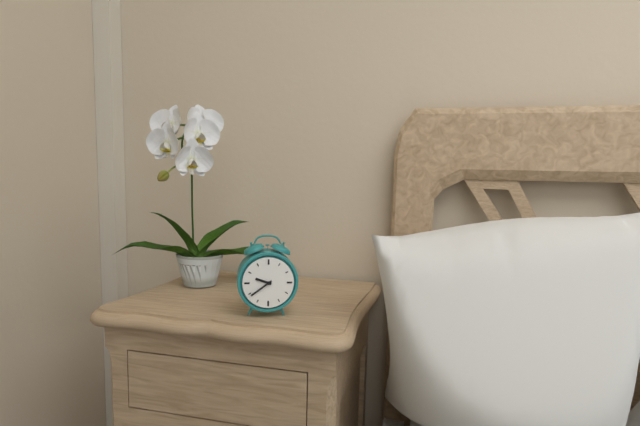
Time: h=9 m=39
